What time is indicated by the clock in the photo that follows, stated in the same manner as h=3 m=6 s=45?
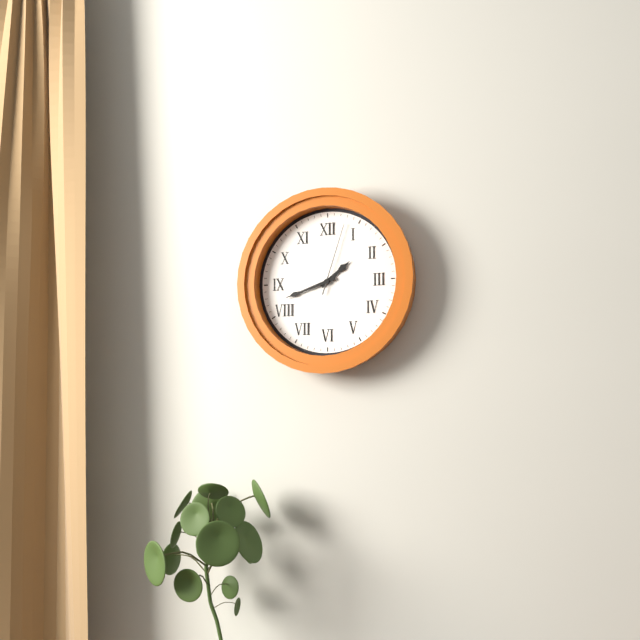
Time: h=1 m=42 s=3
